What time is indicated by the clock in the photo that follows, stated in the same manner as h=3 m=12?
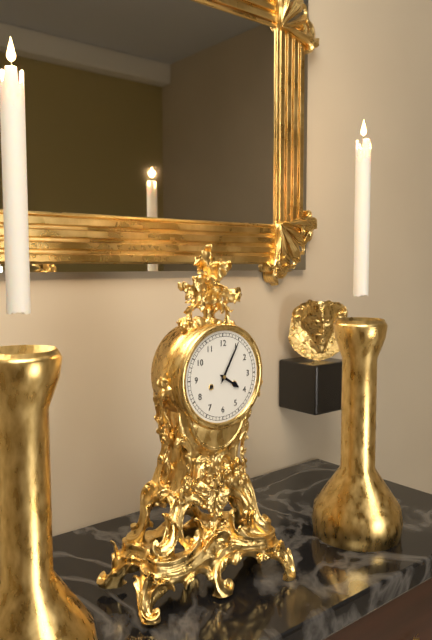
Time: h=4 m=5
